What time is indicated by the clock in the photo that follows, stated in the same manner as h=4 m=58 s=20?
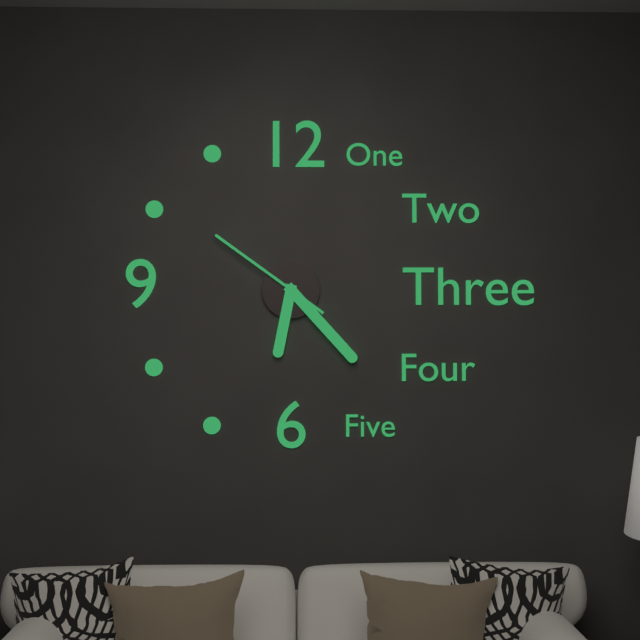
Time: h=6 m=23 s=51
